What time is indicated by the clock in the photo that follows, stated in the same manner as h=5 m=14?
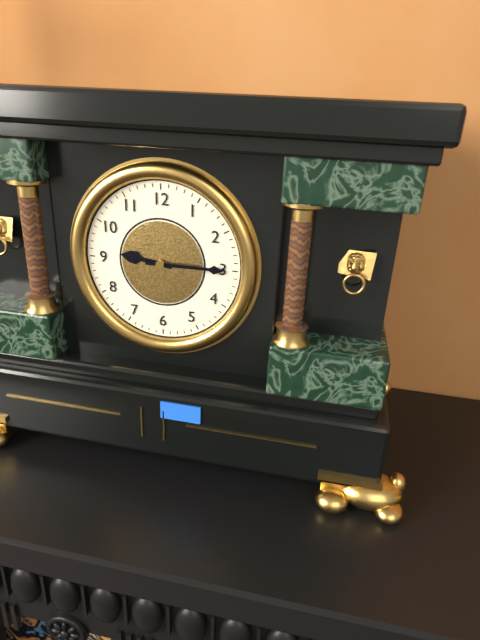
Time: h=9 m=15
